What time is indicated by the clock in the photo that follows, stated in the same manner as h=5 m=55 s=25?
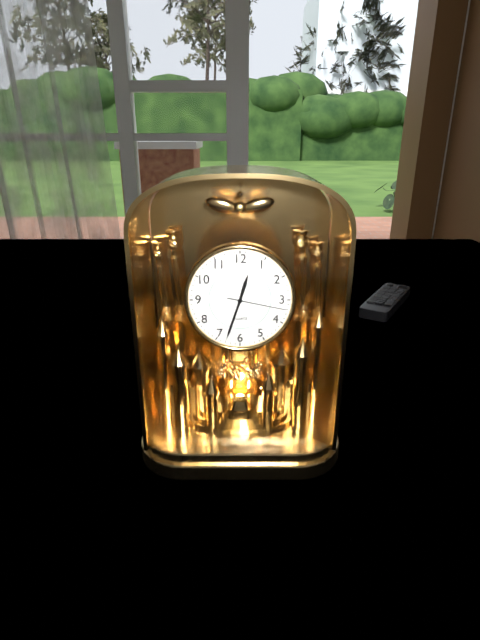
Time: h=12 m=33 s=17
